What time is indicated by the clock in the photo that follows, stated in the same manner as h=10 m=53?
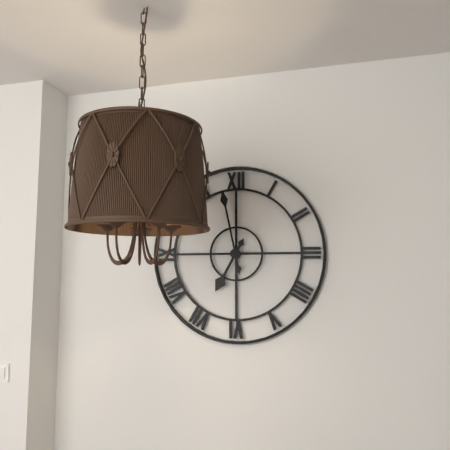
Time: h=6 m=58
